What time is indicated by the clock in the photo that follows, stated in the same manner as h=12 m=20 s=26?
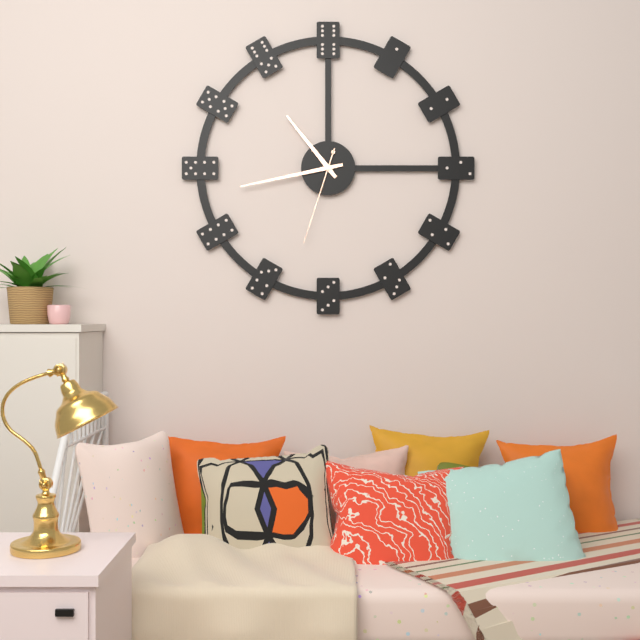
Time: h=10 m=43 s=33
